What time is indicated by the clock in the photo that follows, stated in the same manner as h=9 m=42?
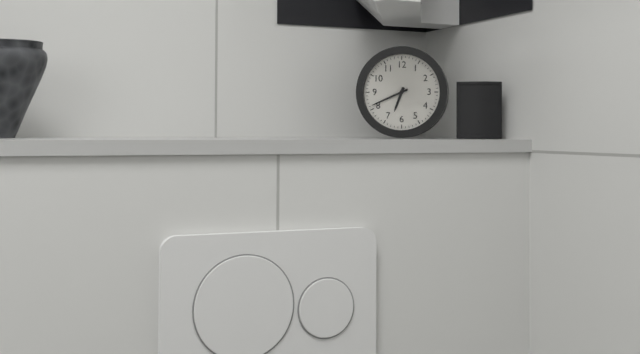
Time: h=6 m=41
